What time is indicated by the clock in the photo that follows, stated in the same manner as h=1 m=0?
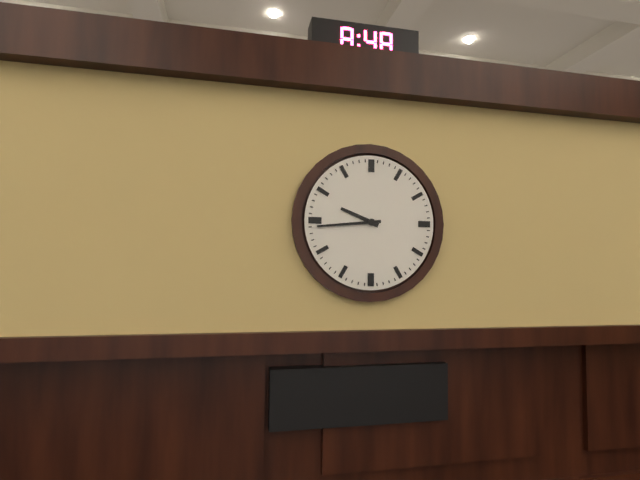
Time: h=9 m=44
